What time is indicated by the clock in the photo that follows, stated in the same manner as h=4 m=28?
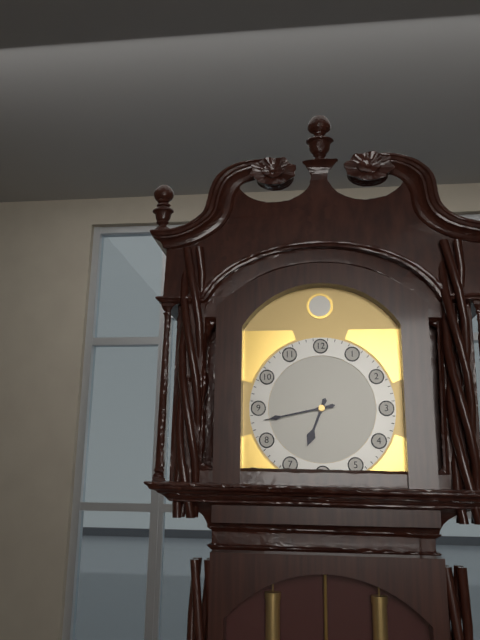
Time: h=6 m=43
